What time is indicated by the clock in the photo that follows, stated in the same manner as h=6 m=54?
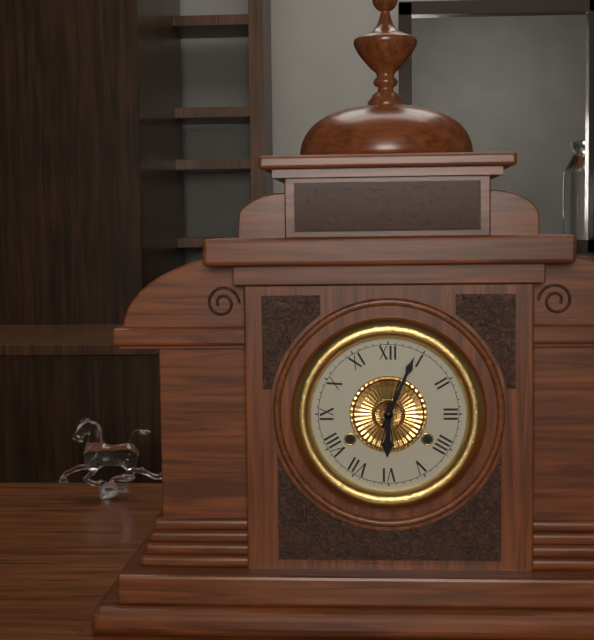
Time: h=6 m=4
